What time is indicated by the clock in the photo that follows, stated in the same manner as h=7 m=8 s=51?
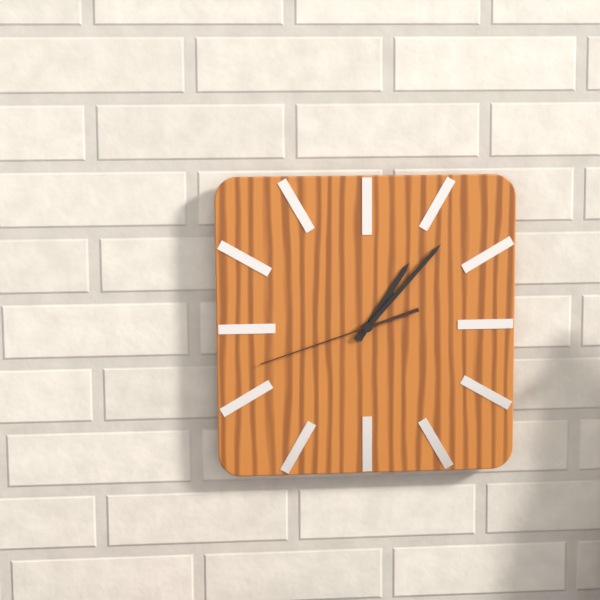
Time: h=1 m=7 s=42
